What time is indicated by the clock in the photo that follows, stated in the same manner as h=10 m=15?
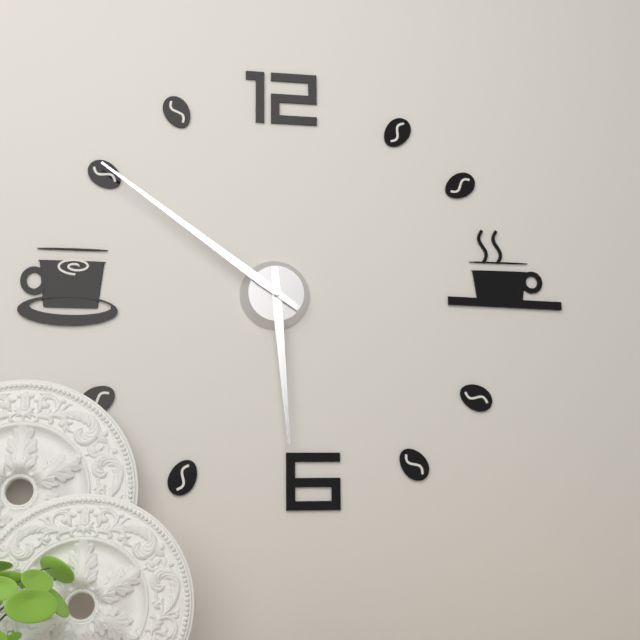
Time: h=5 m=51
